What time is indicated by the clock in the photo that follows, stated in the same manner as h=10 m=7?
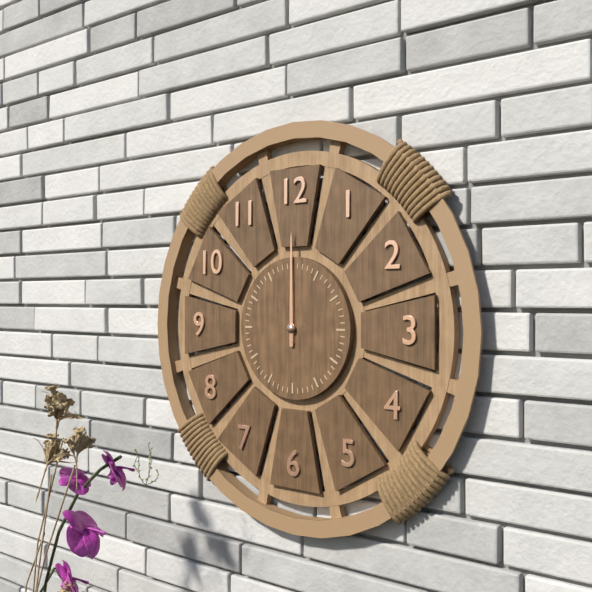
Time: h=12 m=0
